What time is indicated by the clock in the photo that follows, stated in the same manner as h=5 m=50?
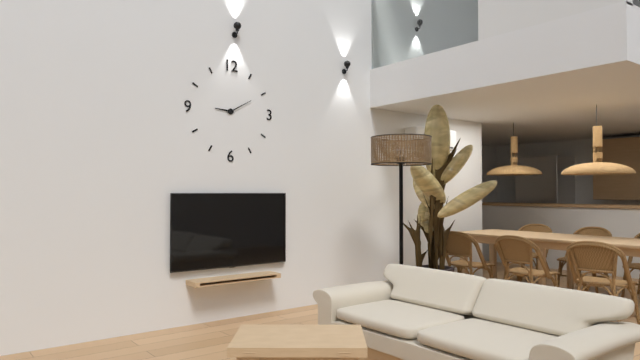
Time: h=9 m=10
